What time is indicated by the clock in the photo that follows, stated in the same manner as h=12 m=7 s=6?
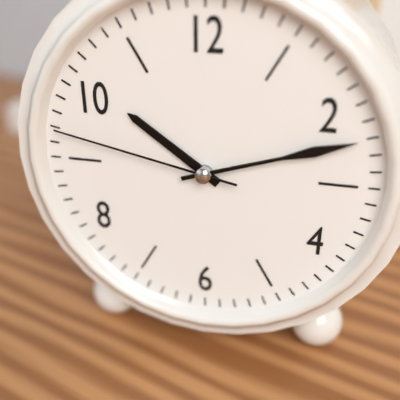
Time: h=10 m=12 s=47
